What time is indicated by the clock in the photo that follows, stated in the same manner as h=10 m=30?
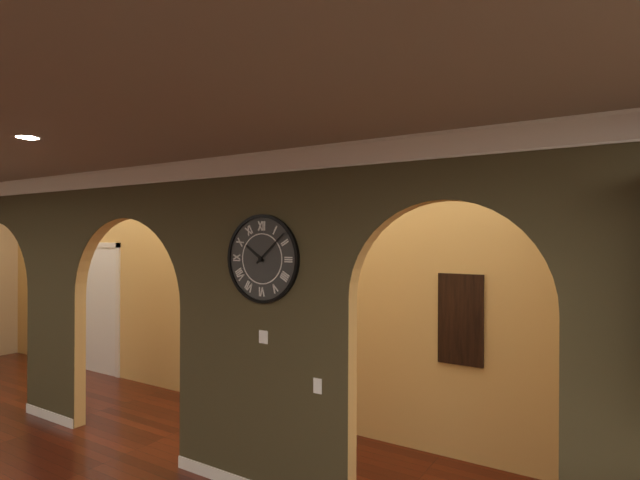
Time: h=10 m=8
